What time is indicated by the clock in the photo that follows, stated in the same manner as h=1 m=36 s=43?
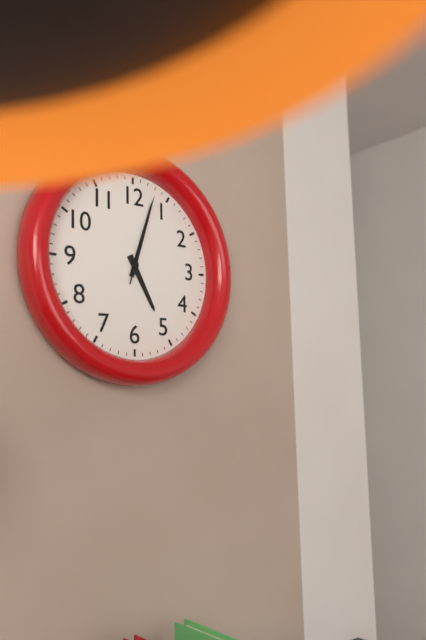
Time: h=5 m=3 s=3
